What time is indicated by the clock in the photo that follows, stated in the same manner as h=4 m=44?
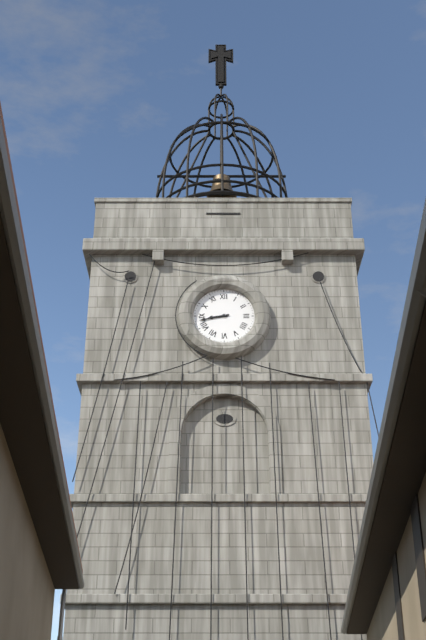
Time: h=8 m=43
